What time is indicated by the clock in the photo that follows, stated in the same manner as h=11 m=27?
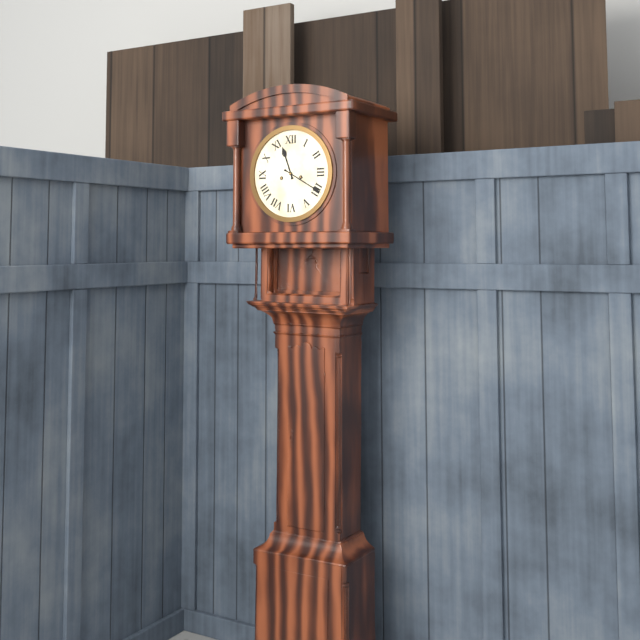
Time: h=11 m=20
